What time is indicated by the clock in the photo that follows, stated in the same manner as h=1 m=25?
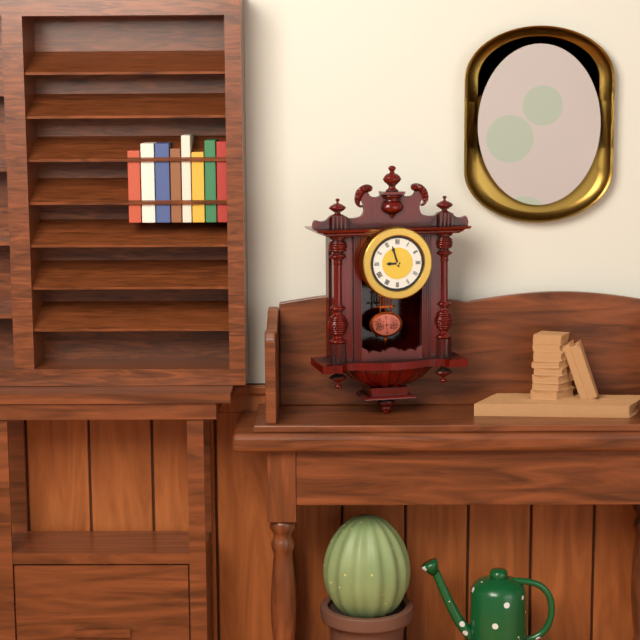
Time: h=8 m=57
